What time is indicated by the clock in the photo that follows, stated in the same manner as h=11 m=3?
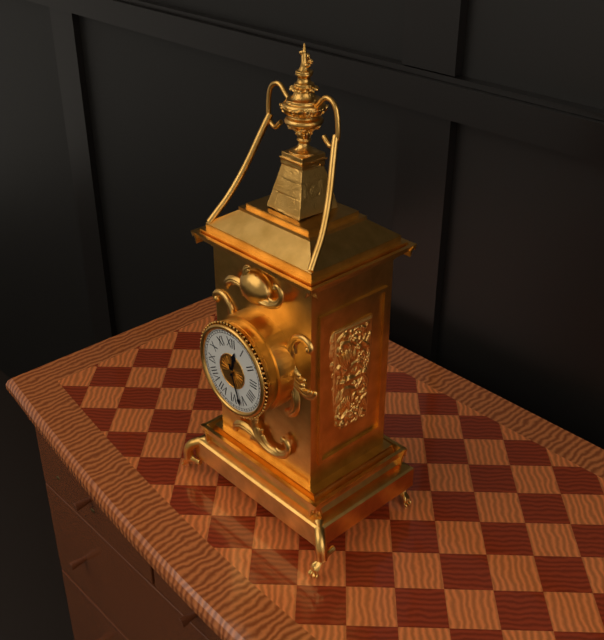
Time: h=12 m=27
